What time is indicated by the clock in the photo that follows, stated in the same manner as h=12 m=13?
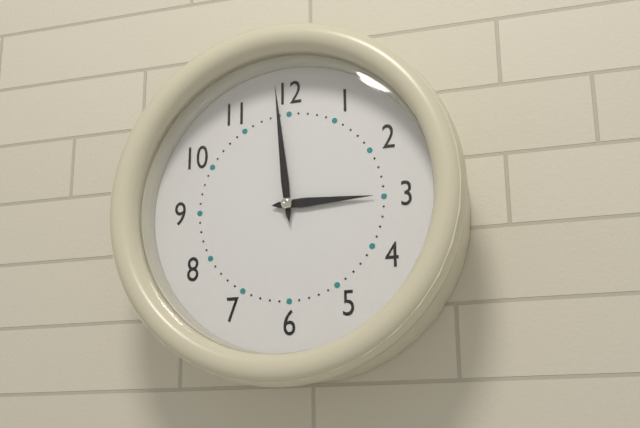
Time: h=2 m=59
